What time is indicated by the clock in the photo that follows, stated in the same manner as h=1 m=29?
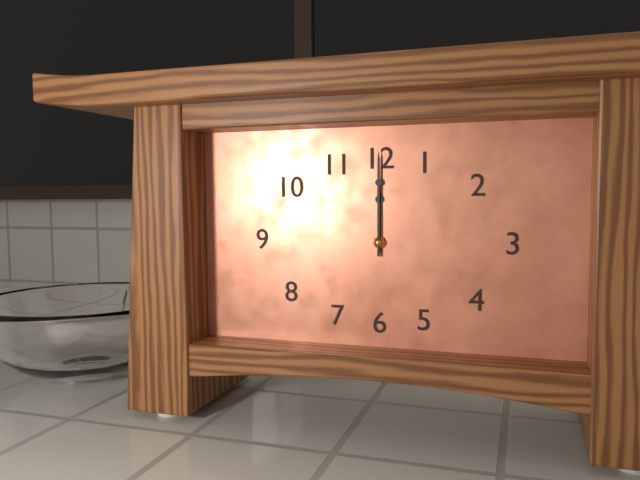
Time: h=12 m=0
